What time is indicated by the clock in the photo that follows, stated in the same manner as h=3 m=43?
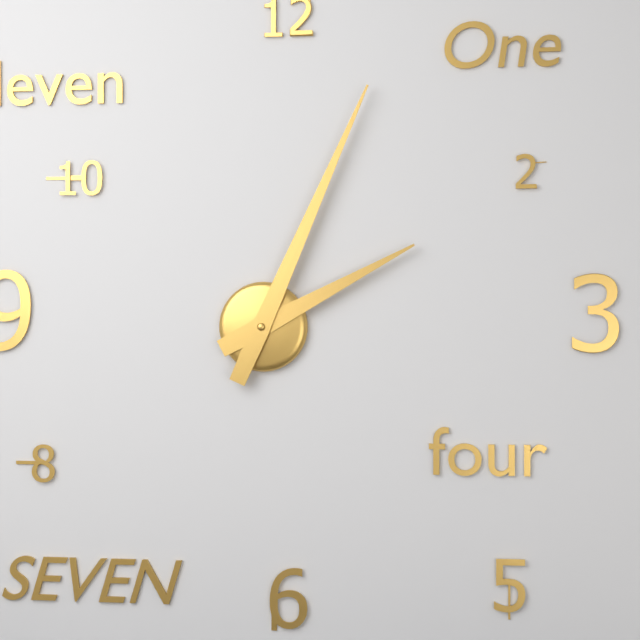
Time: h=2 m=4
